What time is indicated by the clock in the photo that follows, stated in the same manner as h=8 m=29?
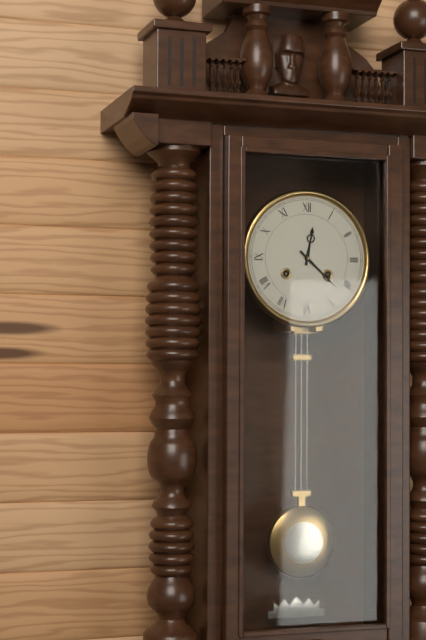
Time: h=12 m=22
